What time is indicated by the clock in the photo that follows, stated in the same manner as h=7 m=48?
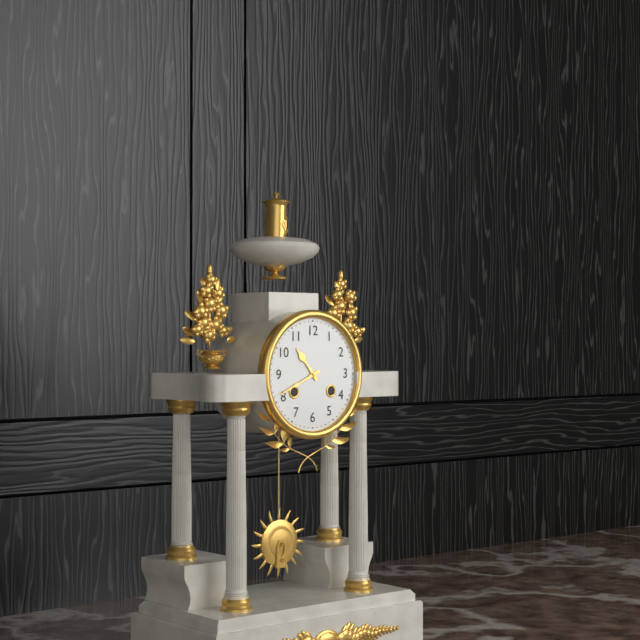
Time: h=10 m=41
